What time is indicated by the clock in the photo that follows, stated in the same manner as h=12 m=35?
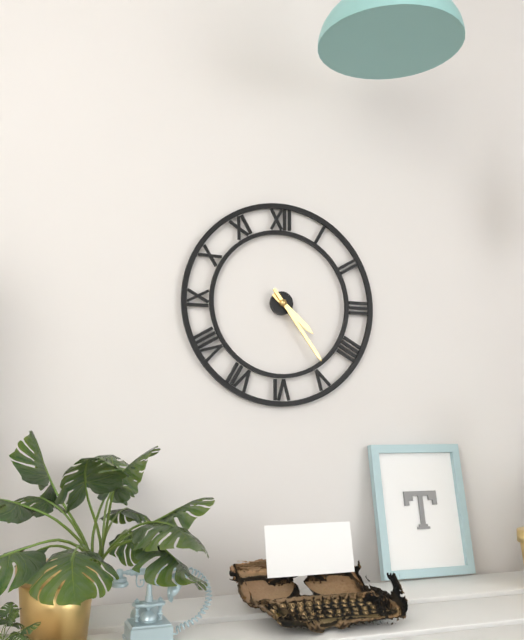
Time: h=4 m=24
